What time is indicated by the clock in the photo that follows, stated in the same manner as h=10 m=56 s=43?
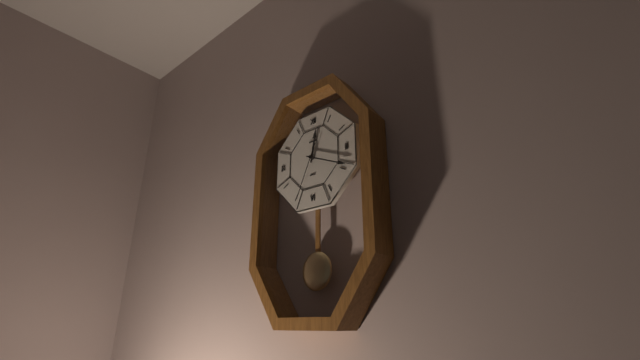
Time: h=12 m=19 s=34
